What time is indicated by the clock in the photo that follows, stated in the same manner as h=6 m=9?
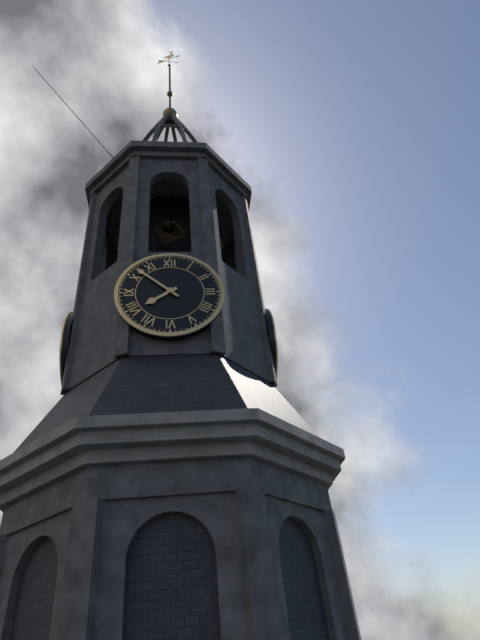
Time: h=7 m=52
